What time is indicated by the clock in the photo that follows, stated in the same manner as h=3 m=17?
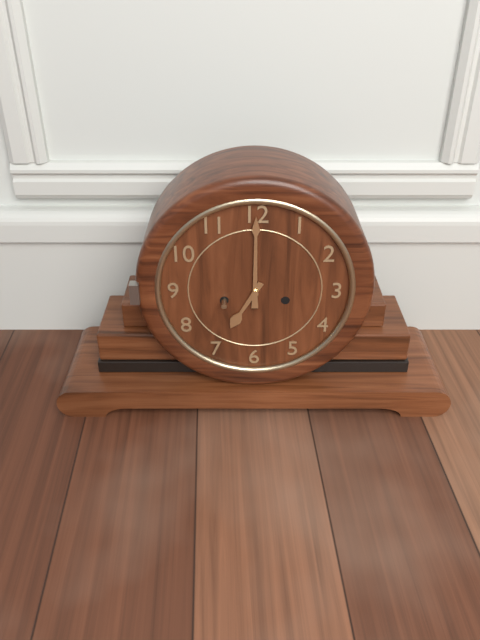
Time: h=7 m=0
